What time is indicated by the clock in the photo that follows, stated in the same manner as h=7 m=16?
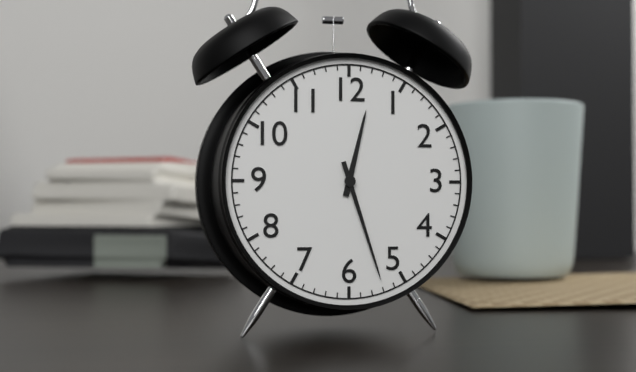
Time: h=12 m=27
